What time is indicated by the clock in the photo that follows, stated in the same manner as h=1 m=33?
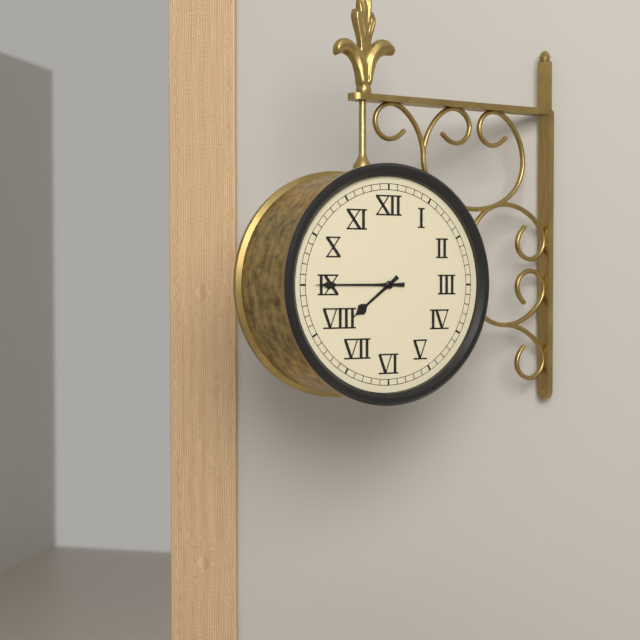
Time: h=7 m=45
